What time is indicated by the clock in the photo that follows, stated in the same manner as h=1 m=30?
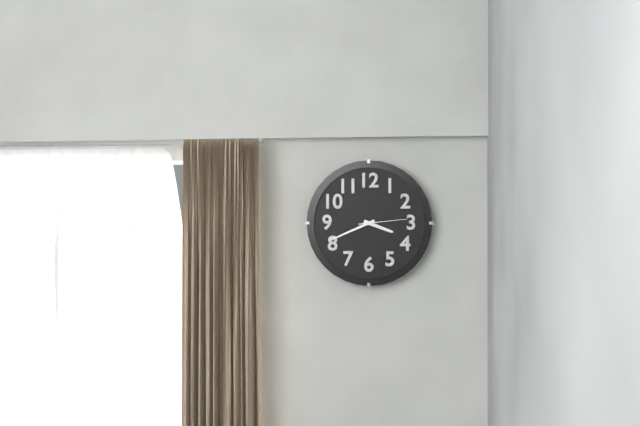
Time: h=3 m=41
